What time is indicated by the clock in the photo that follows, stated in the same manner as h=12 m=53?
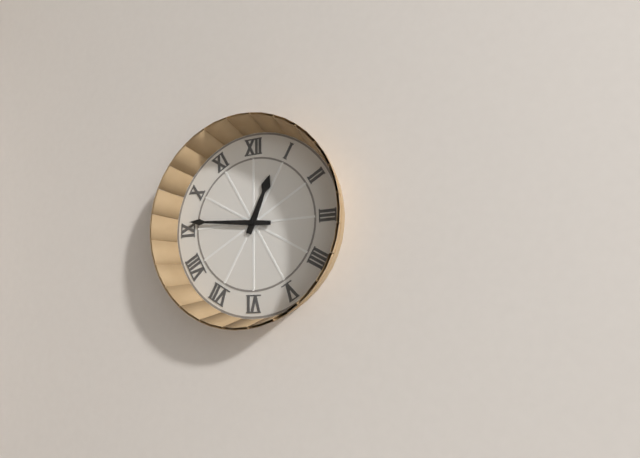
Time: h=12 m=46
